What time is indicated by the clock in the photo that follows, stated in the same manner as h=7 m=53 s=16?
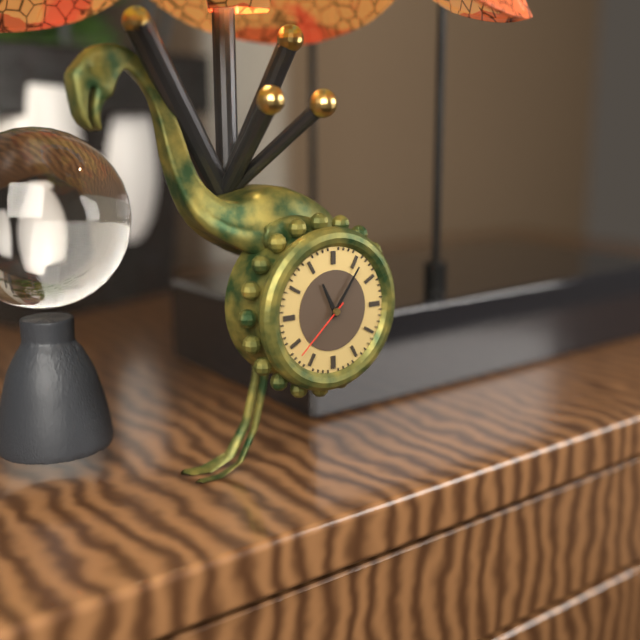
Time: h=11 m=6 s=38
